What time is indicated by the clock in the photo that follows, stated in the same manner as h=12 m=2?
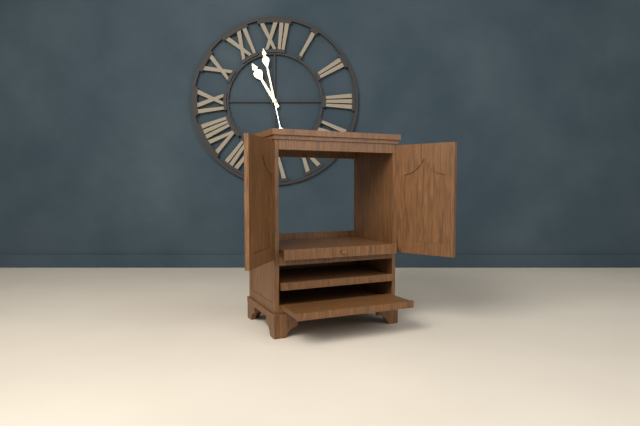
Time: h=10 m=58
